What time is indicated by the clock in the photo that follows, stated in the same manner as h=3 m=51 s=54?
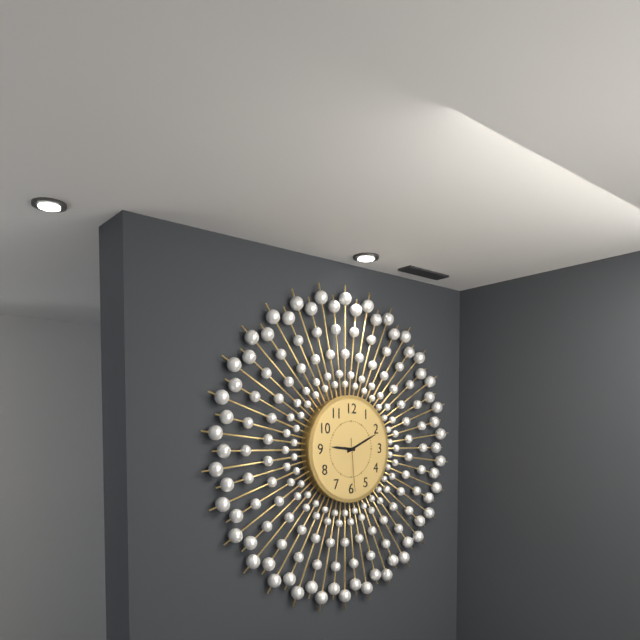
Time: h=9 m=11 s=29
